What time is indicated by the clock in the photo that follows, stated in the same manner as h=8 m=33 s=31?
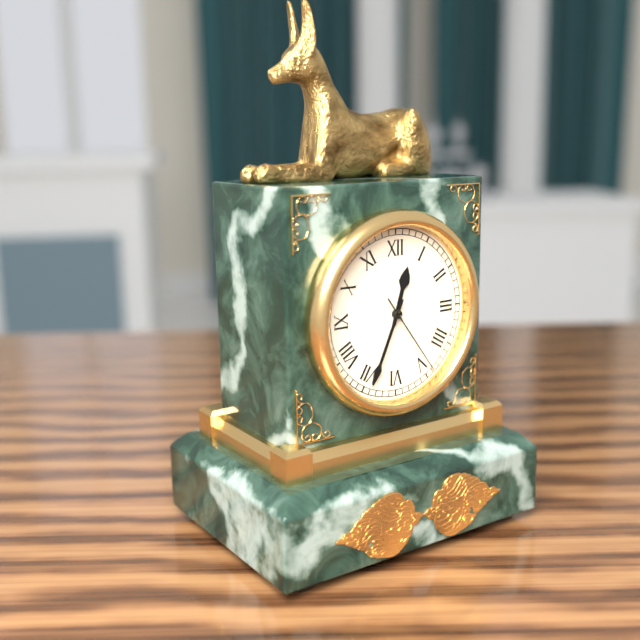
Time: h=12 m=34 s=24
